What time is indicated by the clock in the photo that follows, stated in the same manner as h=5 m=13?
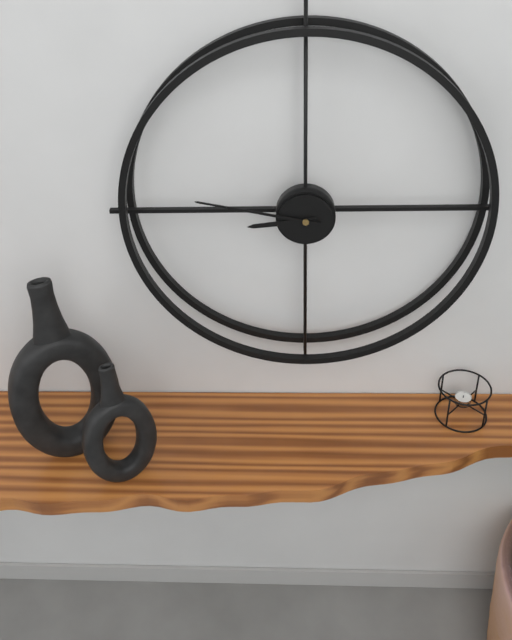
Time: h=8 m=47
